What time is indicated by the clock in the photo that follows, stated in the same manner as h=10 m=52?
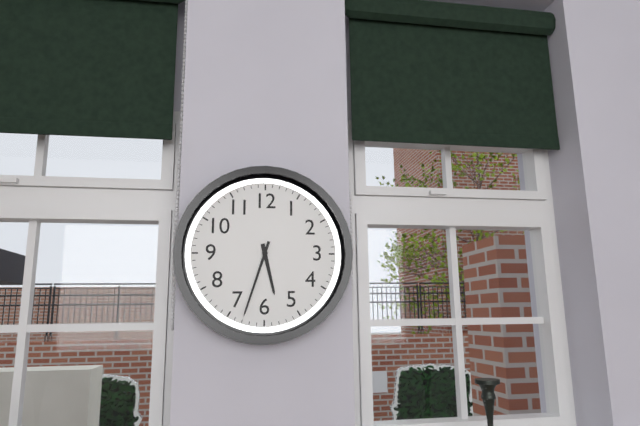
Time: h=5 m=33
